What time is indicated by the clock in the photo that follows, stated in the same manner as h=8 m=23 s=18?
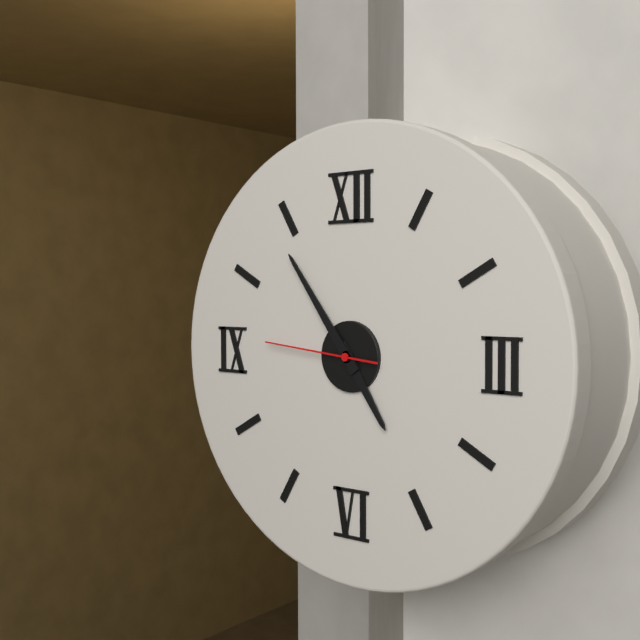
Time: h=4 m=54 s=46
